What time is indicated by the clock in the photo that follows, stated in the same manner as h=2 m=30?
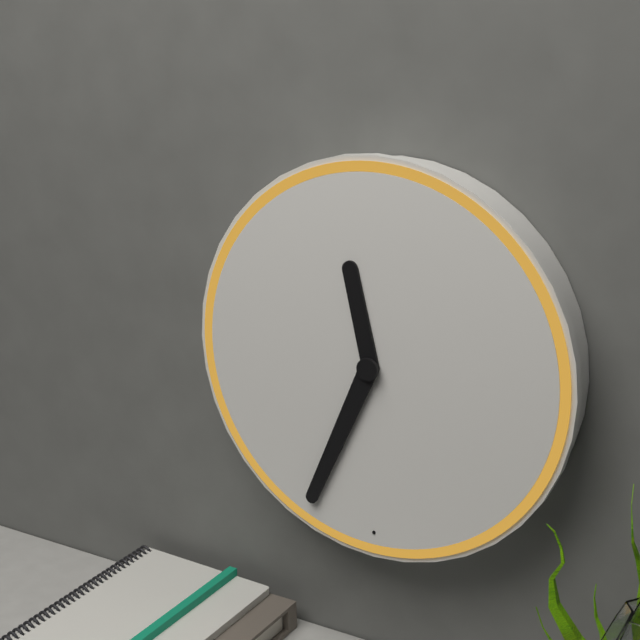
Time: h=11 m=34
